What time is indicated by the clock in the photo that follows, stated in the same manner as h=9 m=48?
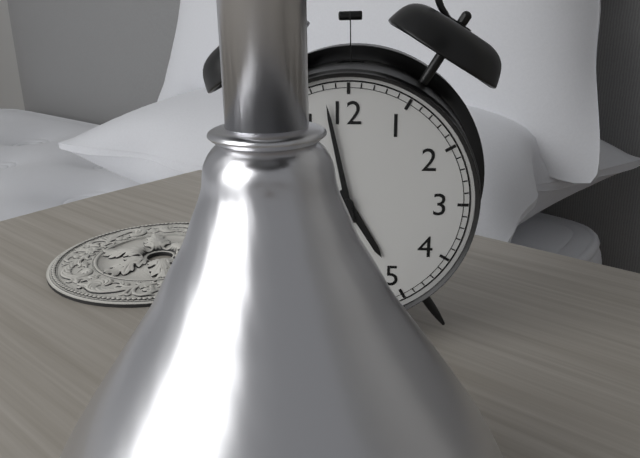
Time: h=4 m=58
